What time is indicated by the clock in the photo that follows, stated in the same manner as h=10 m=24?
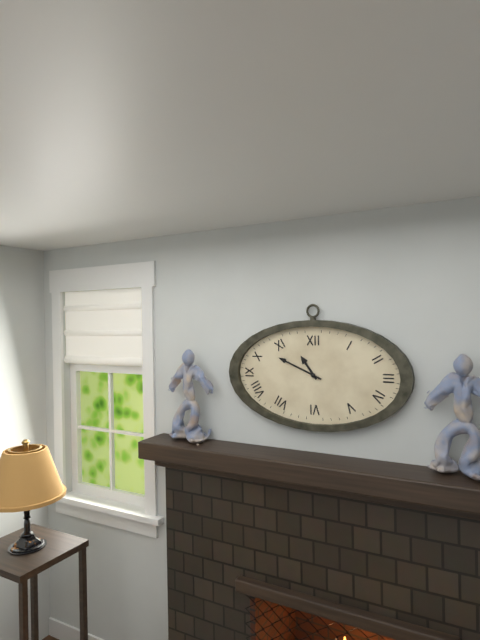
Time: h=10 m=49
